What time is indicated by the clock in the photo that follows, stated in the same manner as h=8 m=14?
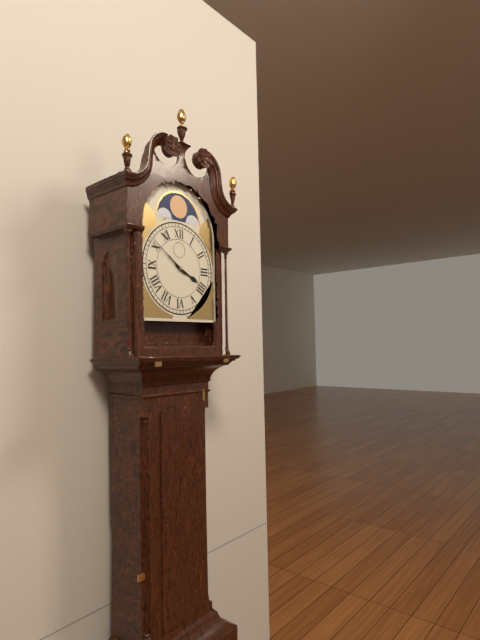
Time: h=3 m=51
